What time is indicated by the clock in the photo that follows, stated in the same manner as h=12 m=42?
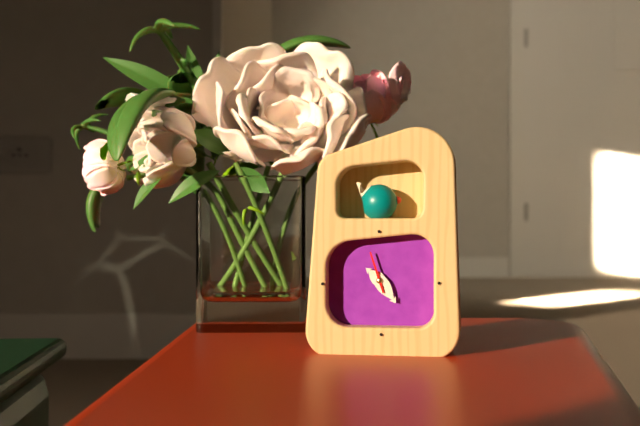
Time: h=10 m=24
